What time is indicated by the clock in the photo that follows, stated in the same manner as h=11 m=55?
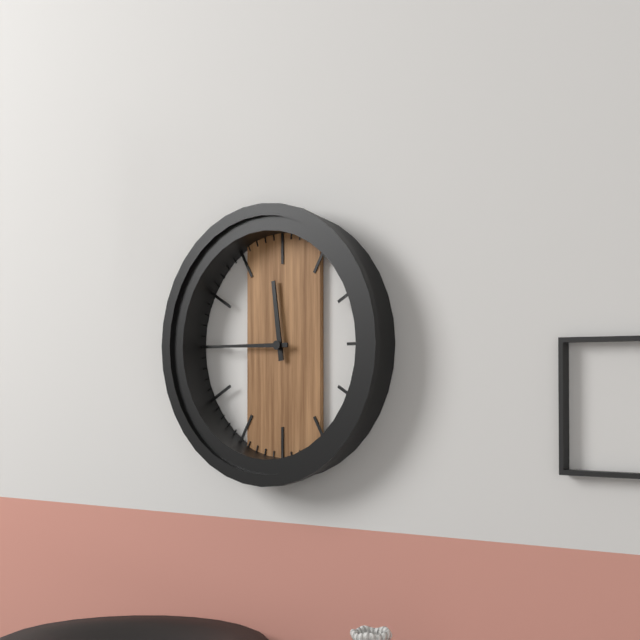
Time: h=11 m=45
